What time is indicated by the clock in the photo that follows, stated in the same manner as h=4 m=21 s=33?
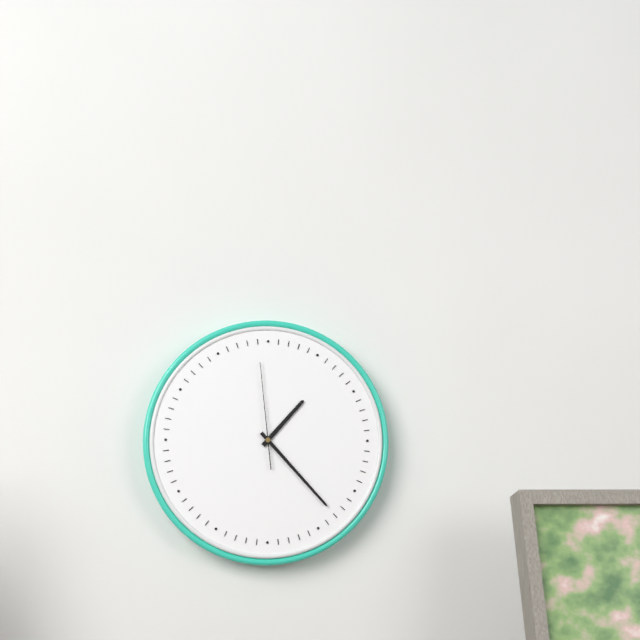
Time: h=1 m=23 s=59
